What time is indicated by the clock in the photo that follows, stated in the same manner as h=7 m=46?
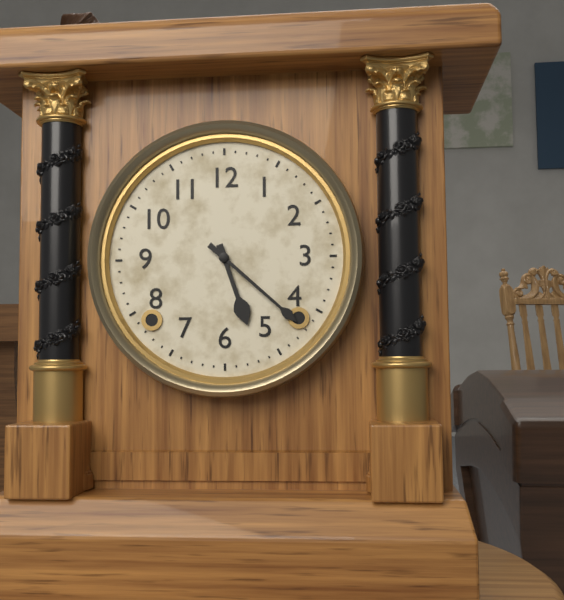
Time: h=5 m=22
